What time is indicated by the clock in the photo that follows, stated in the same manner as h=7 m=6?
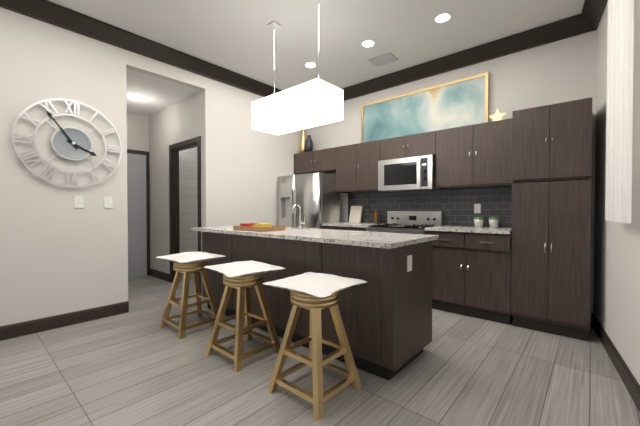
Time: h=3 m=54
